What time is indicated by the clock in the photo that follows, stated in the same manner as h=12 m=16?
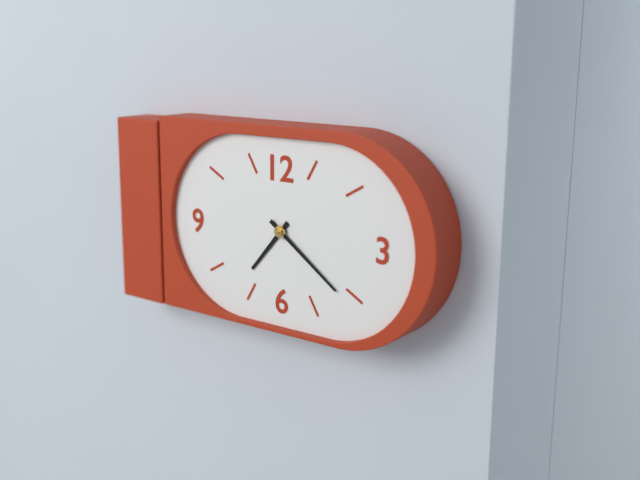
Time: h=7 m=21
